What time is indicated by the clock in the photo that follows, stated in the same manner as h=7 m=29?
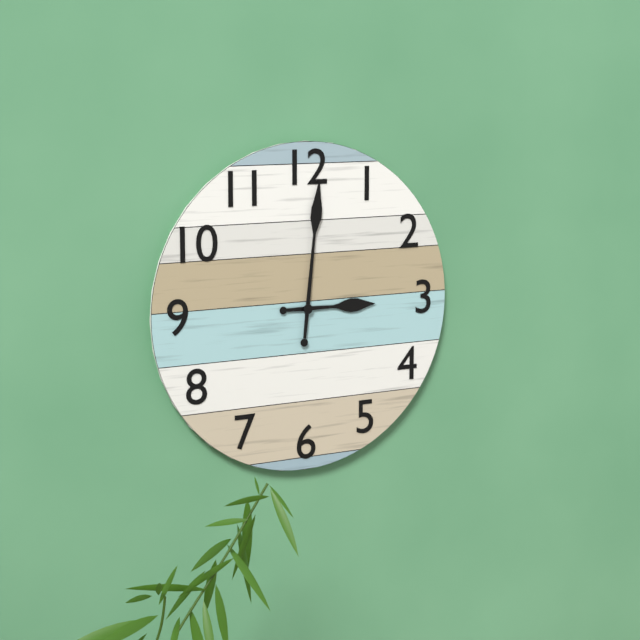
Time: h=3 m=1
